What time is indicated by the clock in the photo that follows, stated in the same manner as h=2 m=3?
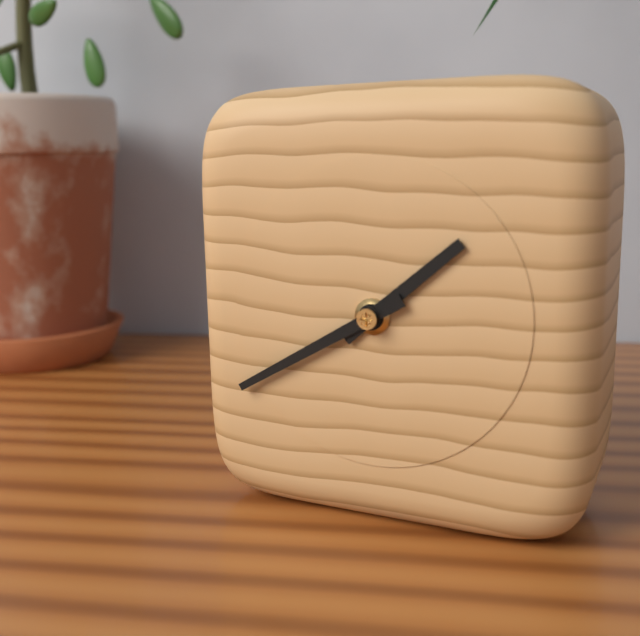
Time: h=1 m=40
